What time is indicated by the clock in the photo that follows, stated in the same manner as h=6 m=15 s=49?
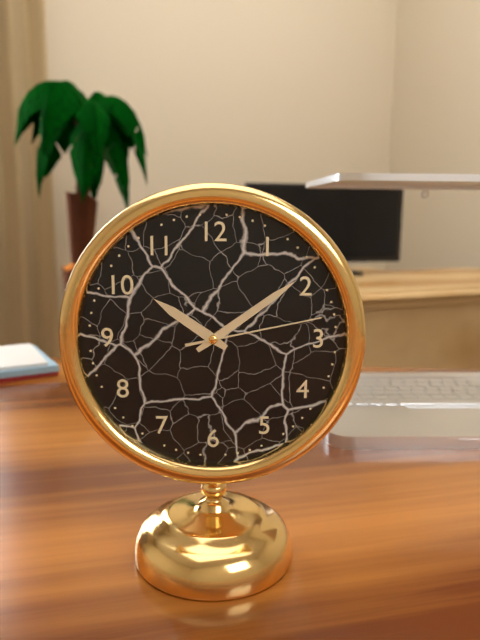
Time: h=10 m=9 s=13
